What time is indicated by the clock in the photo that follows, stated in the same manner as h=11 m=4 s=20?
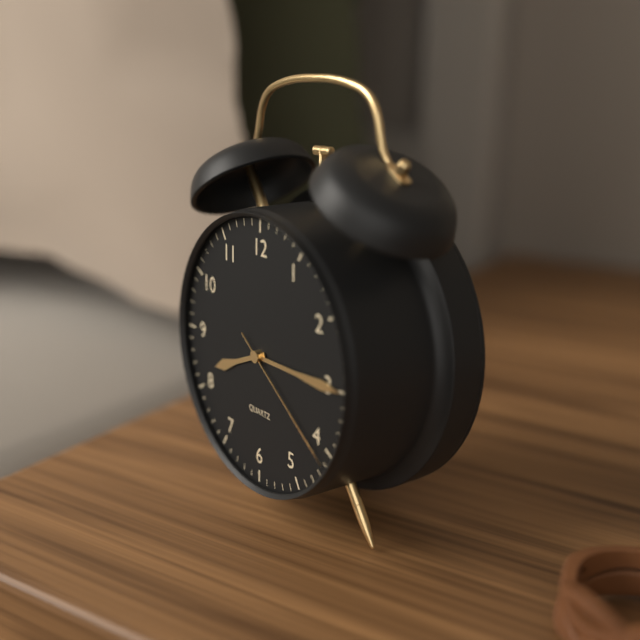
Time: h=8 m=15 s=21
